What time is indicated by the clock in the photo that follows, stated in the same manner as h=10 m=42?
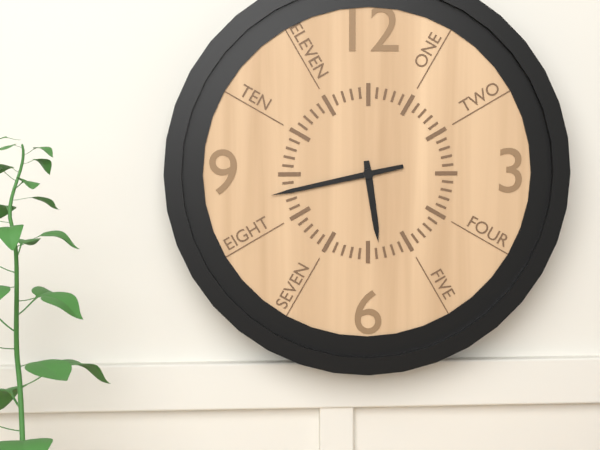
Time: h=5 m=43
